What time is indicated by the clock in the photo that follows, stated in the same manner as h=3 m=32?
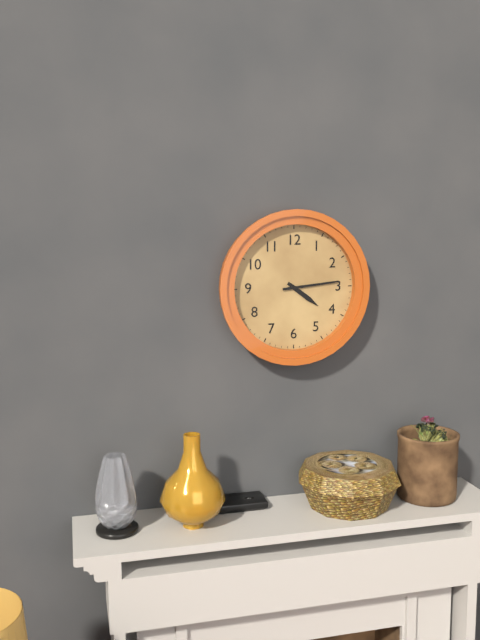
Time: h=4 m=14
